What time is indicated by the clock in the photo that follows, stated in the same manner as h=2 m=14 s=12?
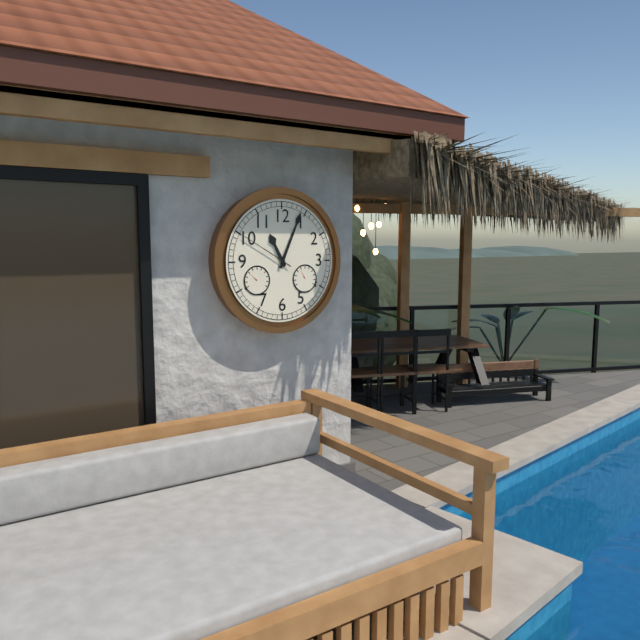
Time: h=11 m=4 s=50
